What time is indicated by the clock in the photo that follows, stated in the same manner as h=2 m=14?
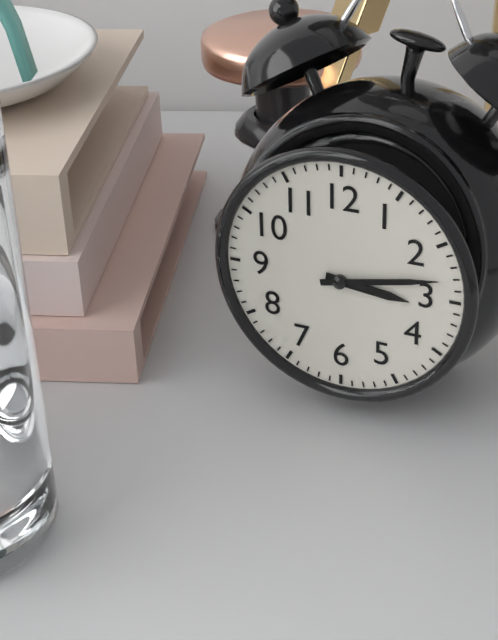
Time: h=3 m=13
